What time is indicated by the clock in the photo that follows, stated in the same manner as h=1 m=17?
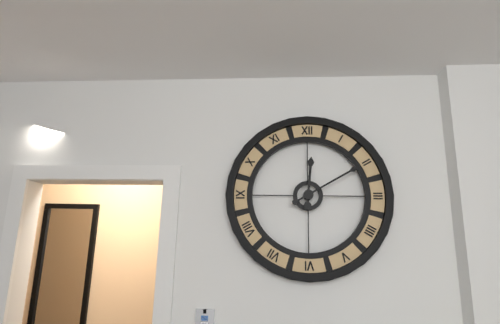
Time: h=12 m=10
